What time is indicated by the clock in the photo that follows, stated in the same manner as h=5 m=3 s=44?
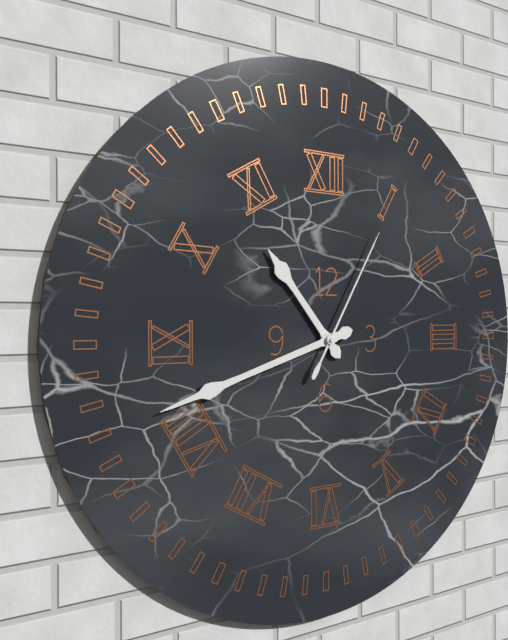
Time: h=10 m=42 s=5
